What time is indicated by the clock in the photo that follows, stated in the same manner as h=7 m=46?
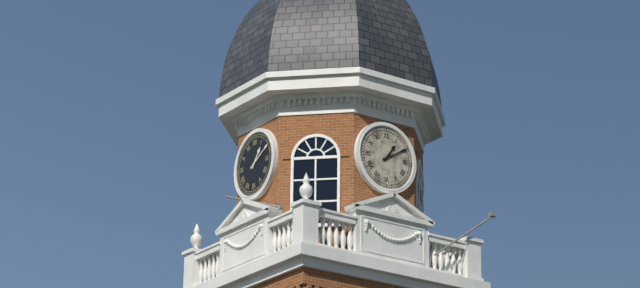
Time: h=1 m=10
